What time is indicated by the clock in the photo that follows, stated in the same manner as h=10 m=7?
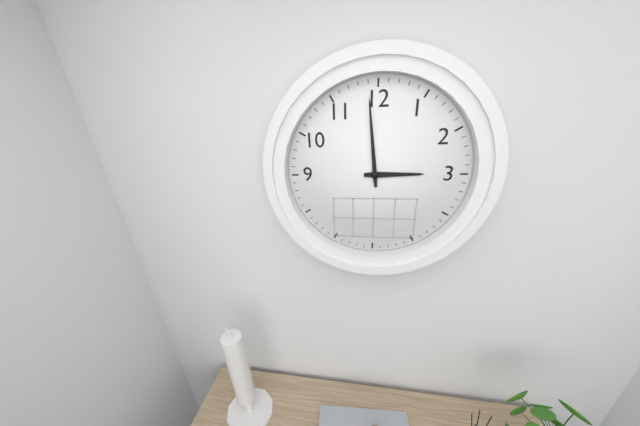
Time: h=2 m=59
